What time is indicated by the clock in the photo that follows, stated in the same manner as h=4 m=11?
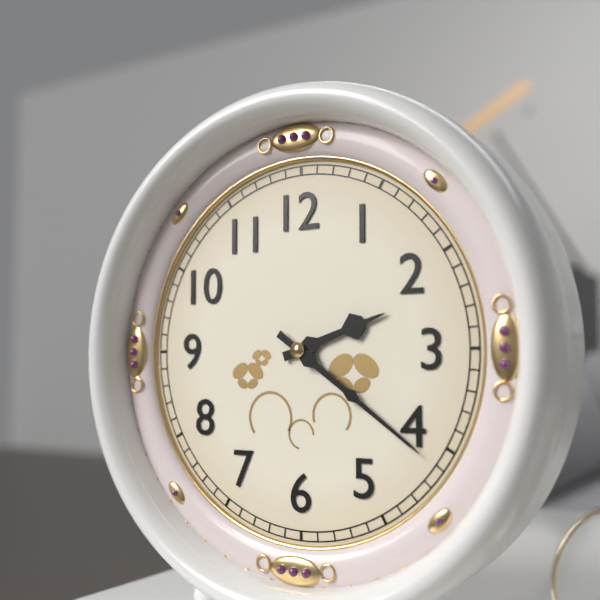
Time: h=2 m=21
